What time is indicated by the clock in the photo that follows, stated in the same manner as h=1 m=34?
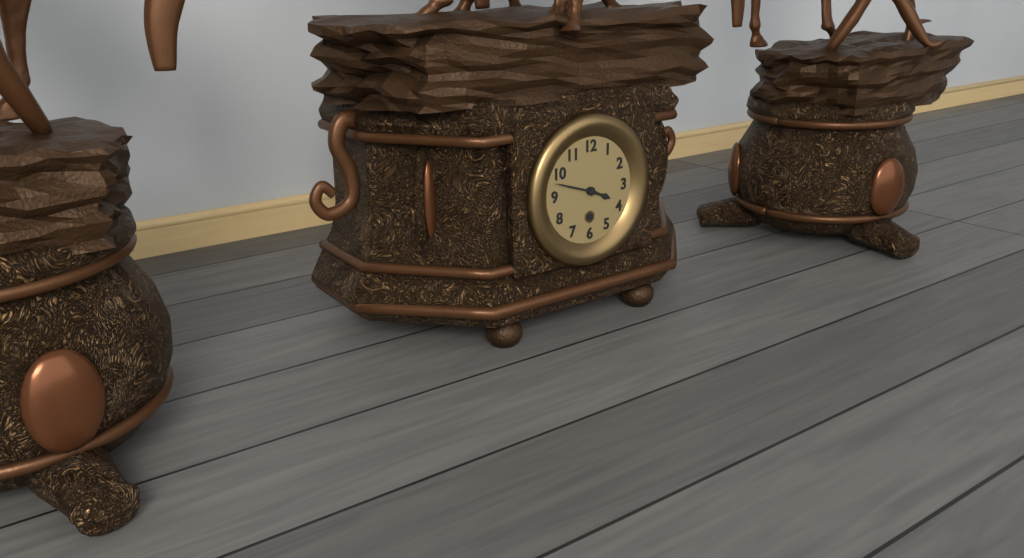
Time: h=3 m=48
